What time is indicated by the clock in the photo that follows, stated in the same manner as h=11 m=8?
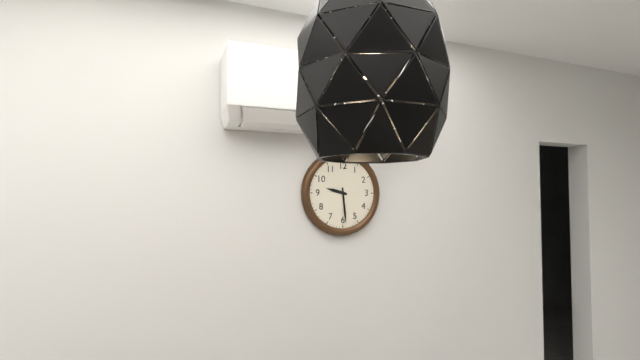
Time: h=9 m=29
